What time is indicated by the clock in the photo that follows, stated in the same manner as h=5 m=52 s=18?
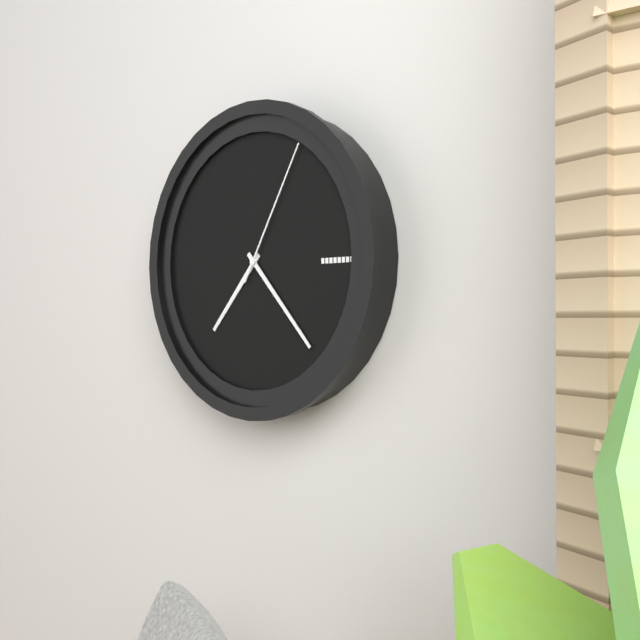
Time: h=7 m=23 s=5
